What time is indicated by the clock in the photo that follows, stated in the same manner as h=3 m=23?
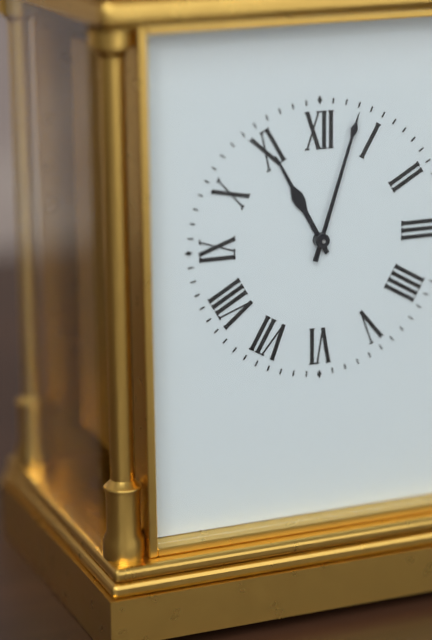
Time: h=11 m=3
